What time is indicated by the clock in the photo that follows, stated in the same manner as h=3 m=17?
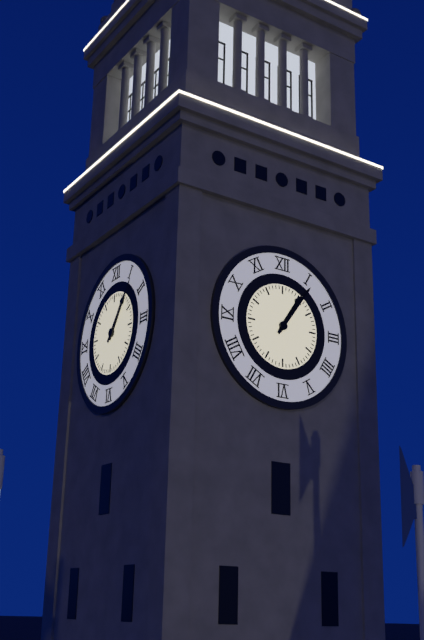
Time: h=1 m=6
